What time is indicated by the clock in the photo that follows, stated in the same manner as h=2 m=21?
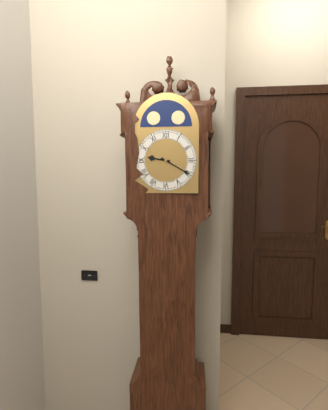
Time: h=9 m=20
